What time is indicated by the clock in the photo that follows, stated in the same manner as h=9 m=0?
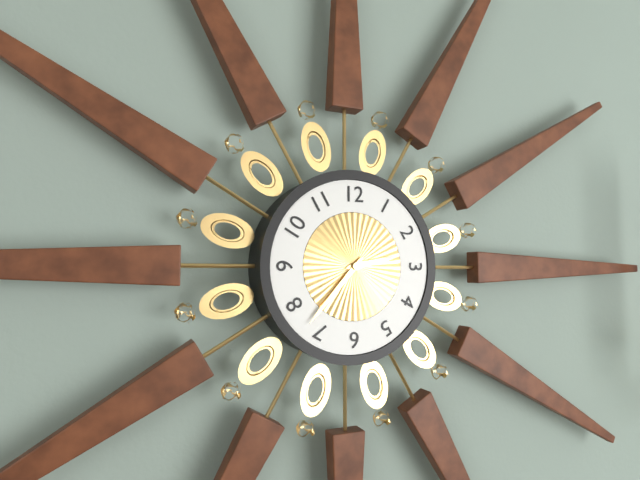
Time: h=2 m=37
